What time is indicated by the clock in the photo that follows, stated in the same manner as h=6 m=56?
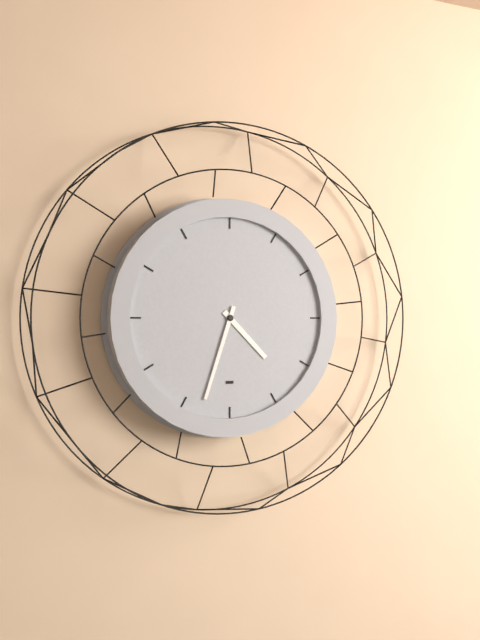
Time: h=4 m=33
